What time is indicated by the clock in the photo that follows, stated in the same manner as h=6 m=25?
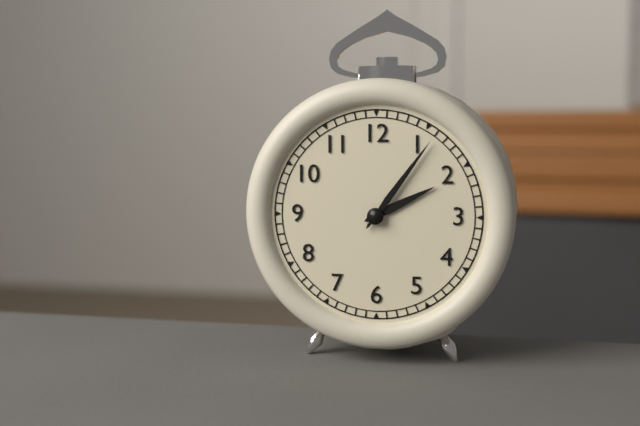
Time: h=2 m=6
